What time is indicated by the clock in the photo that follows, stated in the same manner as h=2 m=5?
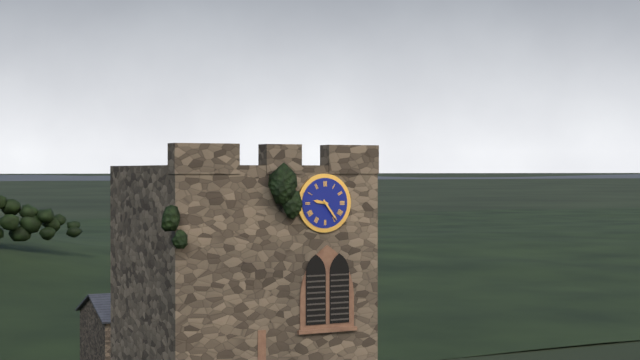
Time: h=9 m=24
